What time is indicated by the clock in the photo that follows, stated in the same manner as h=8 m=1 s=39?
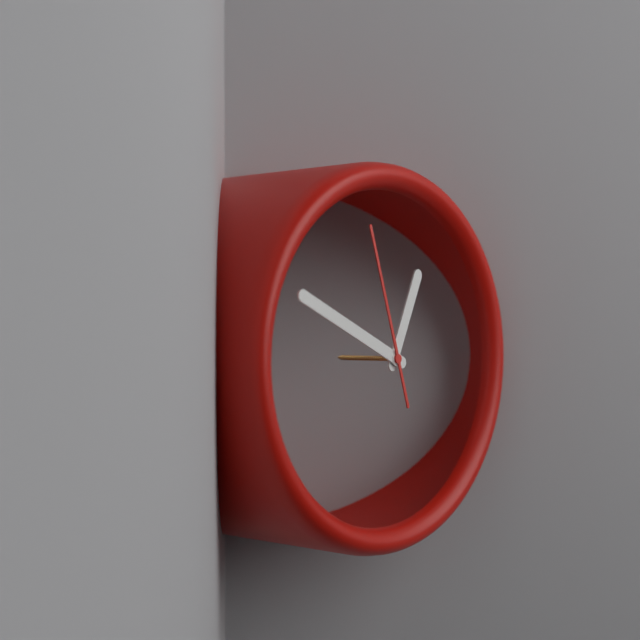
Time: h=12 m=49 s=57
